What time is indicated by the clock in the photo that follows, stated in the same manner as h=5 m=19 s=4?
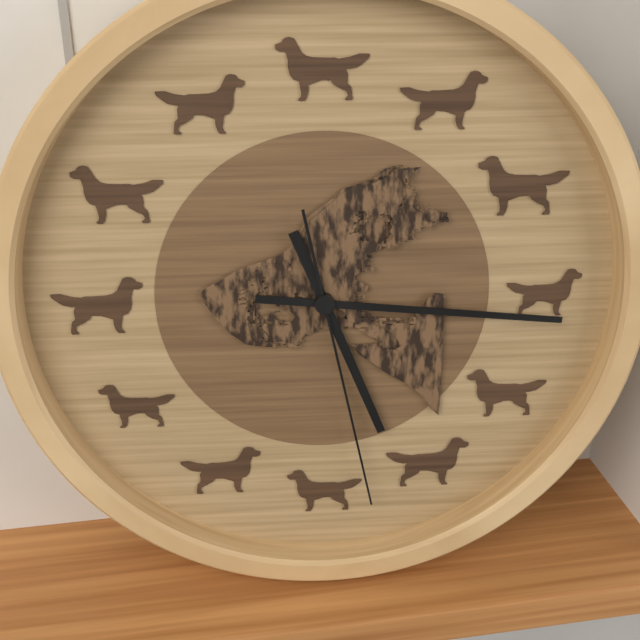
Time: h=5 m=16 s=28
